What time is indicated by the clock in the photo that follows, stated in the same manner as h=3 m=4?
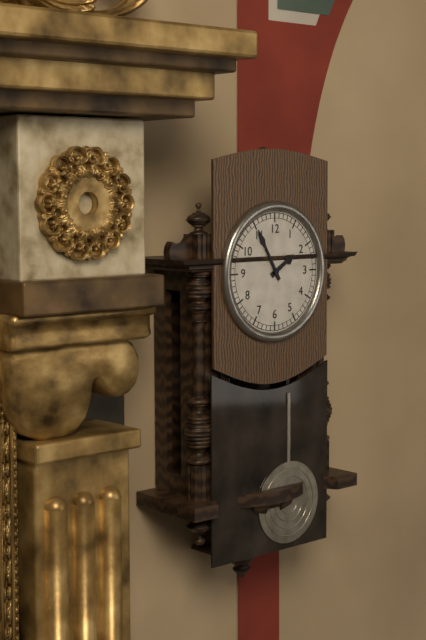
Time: h=1 m=55
